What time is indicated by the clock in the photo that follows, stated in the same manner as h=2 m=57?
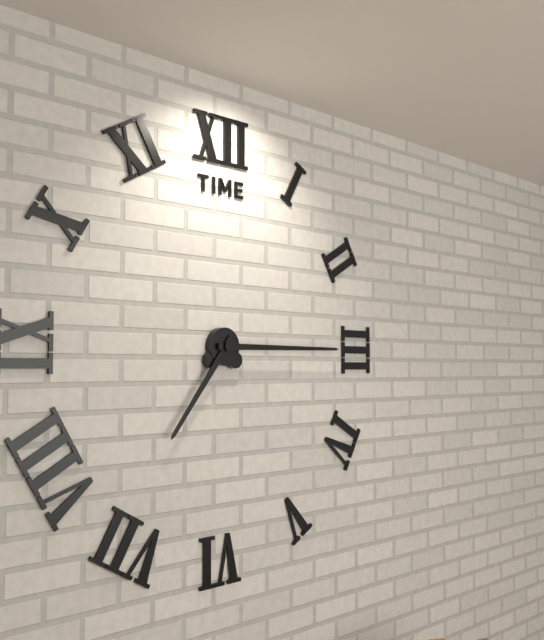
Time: h=7 m=15
